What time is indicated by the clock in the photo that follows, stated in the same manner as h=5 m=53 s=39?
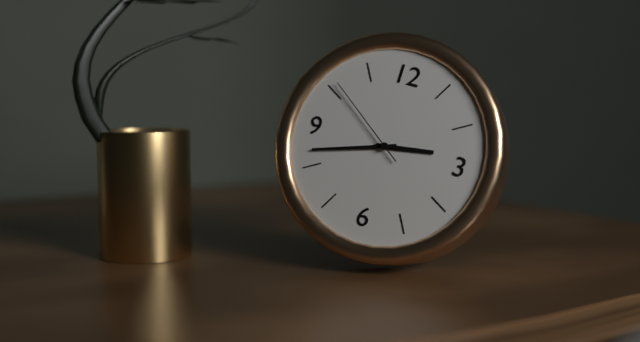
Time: h=2 m=42 s=51
